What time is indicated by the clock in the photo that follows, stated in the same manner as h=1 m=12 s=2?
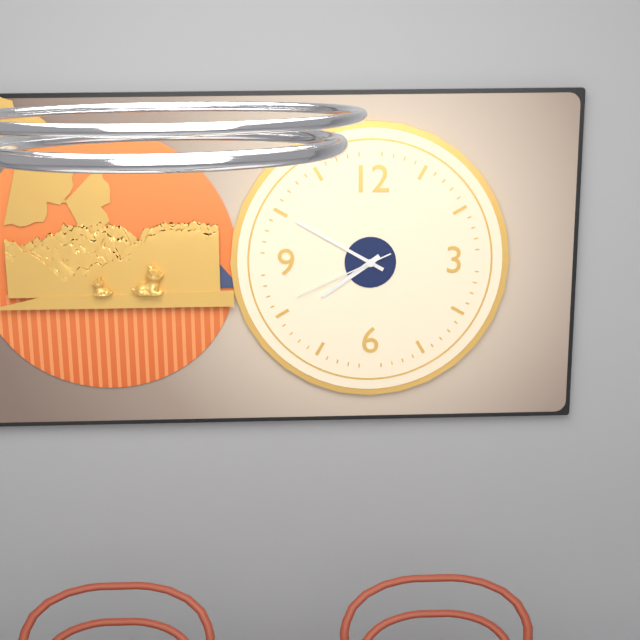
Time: h=7 m=50 s=41
